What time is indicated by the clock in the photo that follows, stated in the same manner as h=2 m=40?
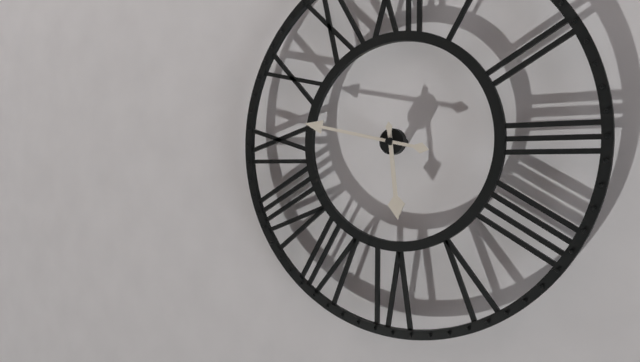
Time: h=5 m=47
